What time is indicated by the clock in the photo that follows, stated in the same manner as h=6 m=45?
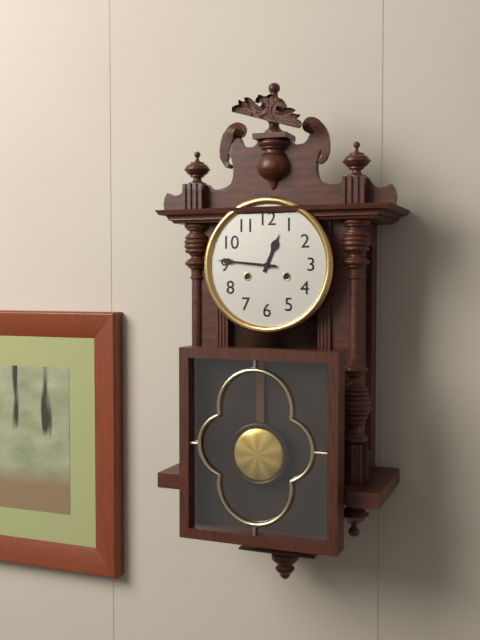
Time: h=12 m=46
